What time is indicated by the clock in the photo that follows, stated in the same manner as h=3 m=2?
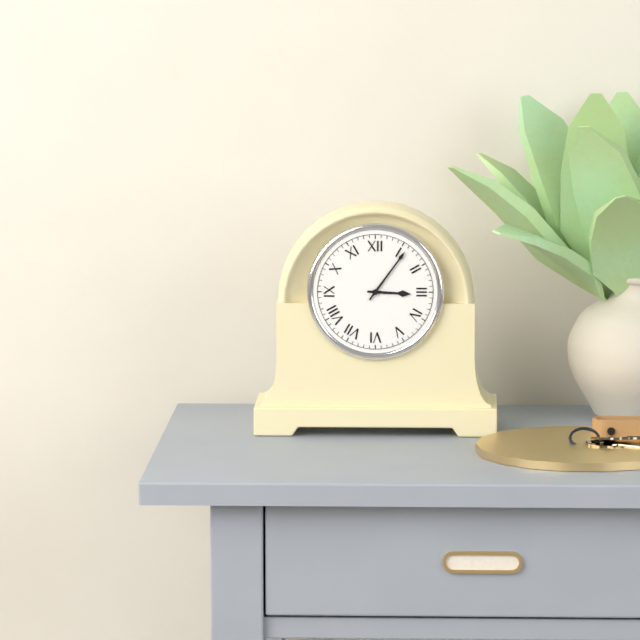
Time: h=3 m=6
